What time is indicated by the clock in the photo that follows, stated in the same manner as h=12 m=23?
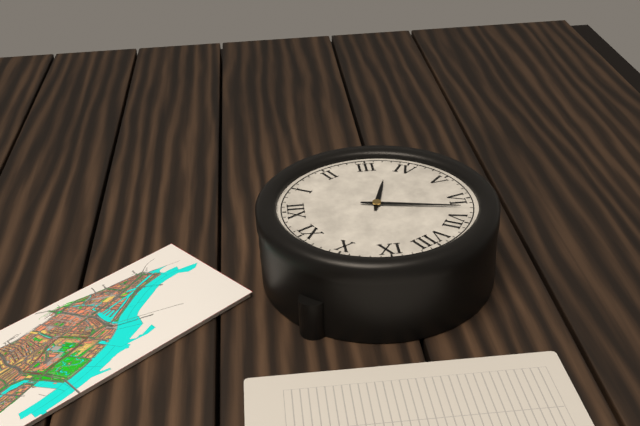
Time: h=3 m=32
